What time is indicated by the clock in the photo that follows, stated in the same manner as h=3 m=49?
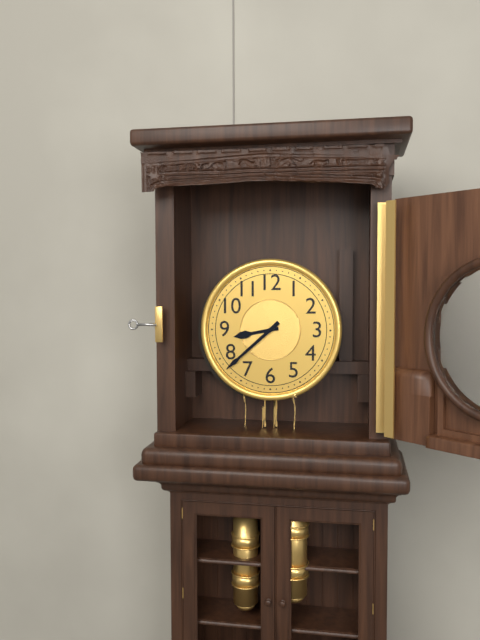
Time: h=8 m=38
